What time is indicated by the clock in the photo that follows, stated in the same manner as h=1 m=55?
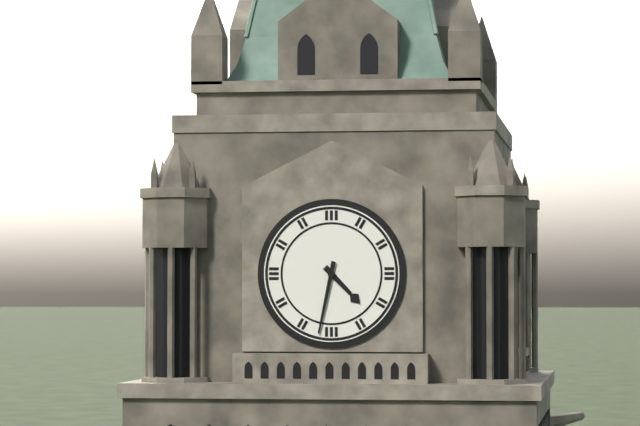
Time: h=4 m=32
